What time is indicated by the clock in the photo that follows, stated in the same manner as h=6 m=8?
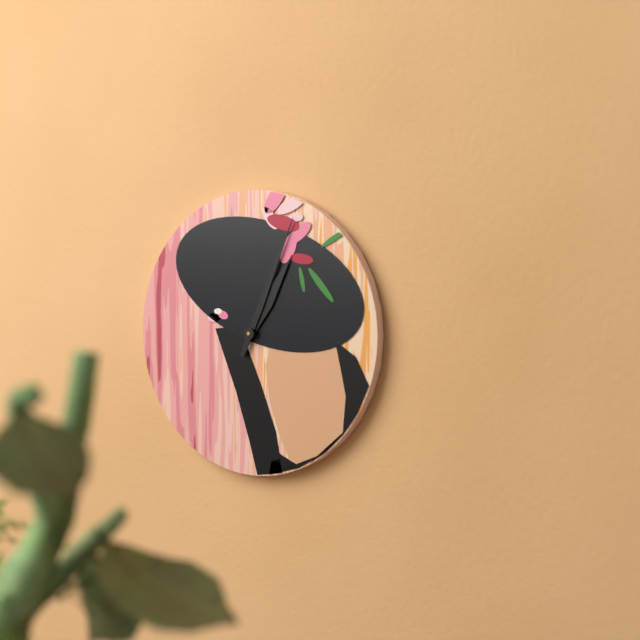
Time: h=1 m=4
